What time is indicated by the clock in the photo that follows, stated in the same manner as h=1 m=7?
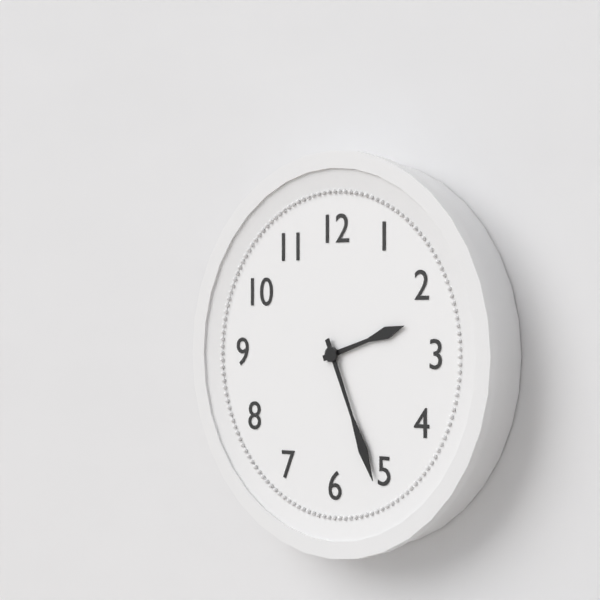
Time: h=2 m=26
